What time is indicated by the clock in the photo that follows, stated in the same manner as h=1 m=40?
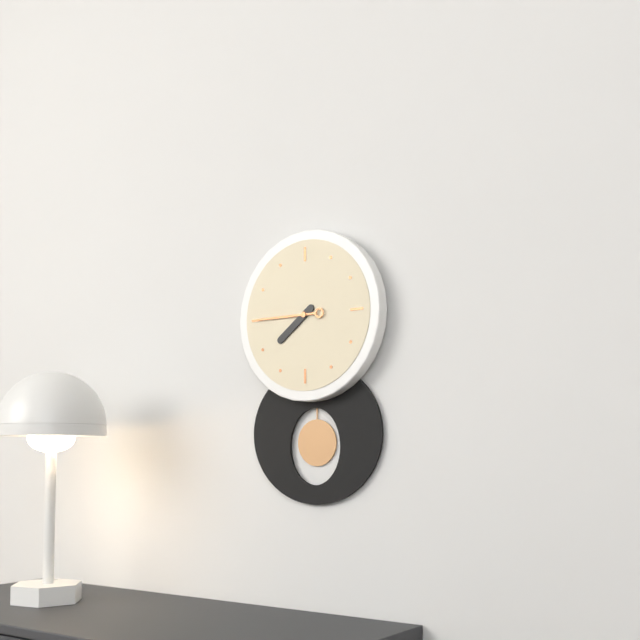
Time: h=7 m=45
